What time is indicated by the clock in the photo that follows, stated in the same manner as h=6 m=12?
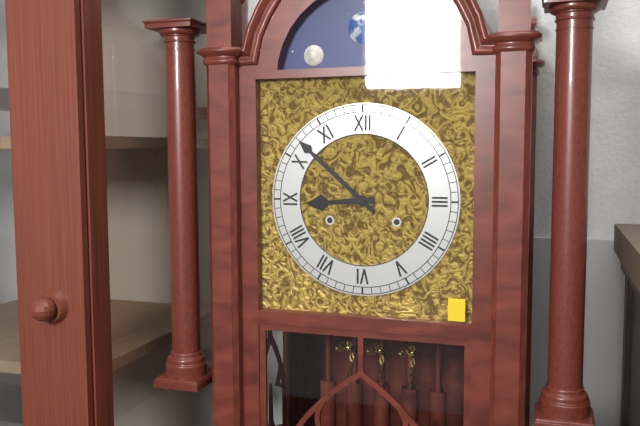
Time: h=8 m=52
